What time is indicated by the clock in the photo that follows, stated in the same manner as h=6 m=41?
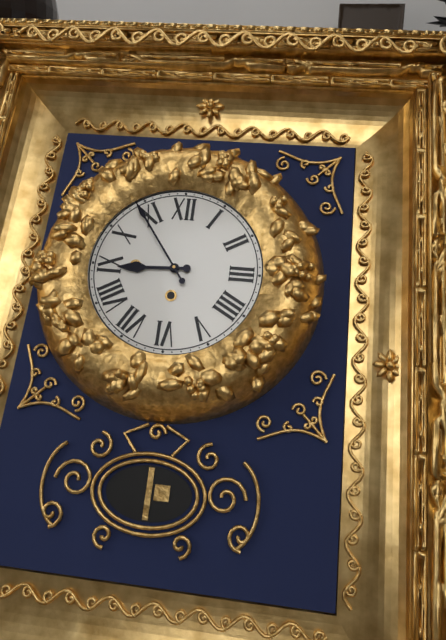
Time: h=8 m=54
